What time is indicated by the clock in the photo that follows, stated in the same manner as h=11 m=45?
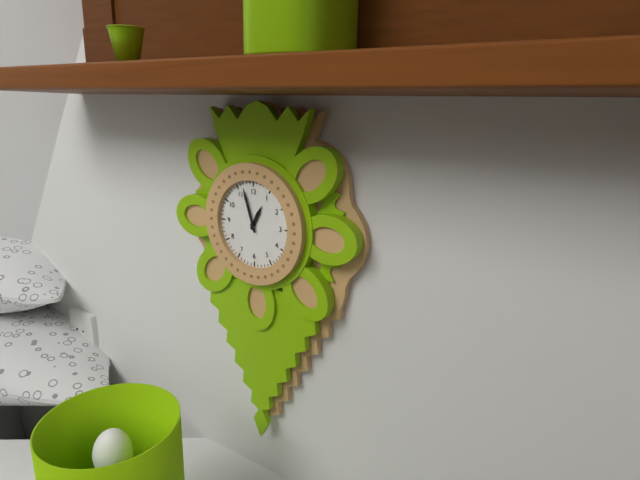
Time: h=12 m=57
